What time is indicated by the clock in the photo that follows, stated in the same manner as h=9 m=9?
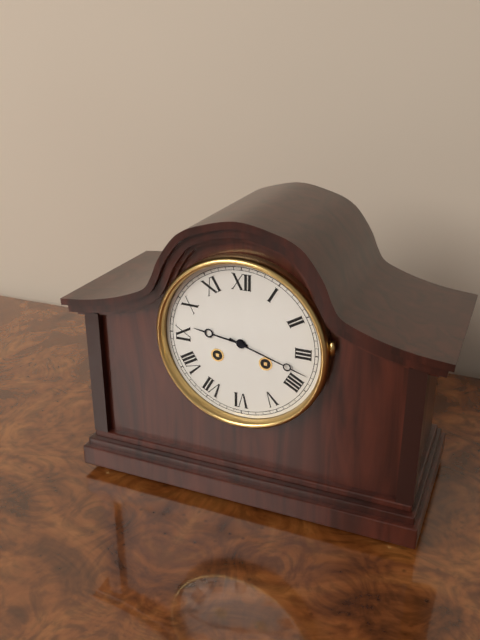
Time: h=9 m=18
